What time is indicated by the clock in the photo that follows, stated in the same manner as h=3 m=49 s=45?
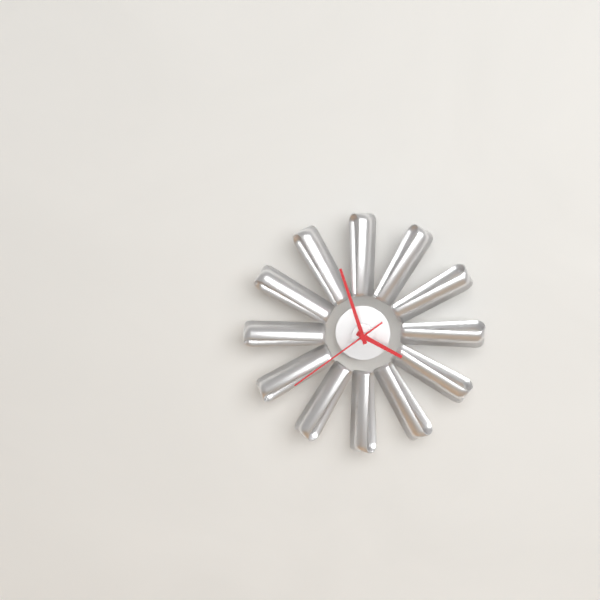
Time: h=3 m=57 s=39
